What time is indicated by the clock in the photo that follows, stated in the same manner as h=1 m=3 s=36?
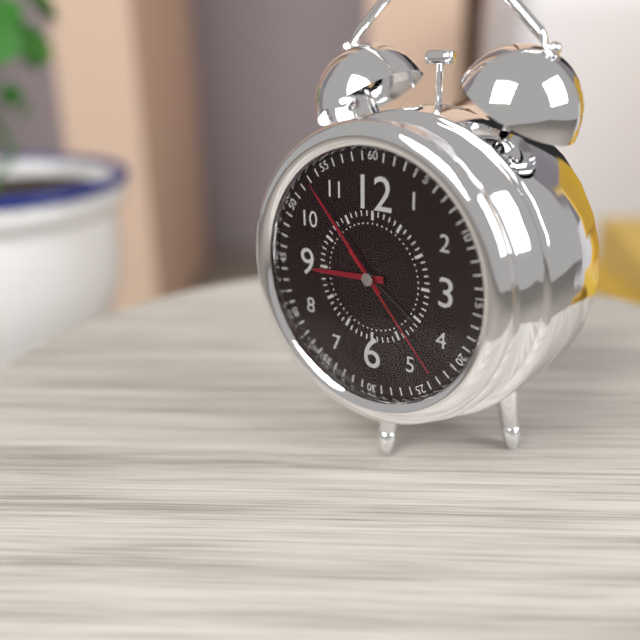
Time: h=8 m=53 s=23
